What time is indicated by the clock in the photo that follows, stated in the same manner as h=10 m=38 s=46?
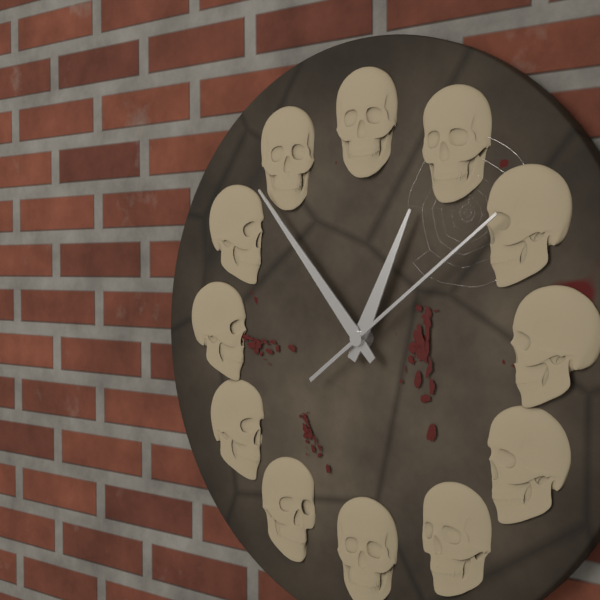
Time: h=12 m=53 s=9
